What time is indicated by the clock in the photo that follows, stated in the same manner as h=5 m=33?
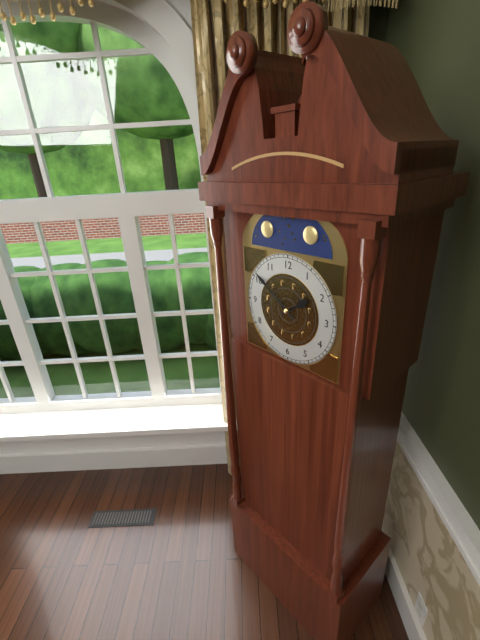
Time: h=1 m=51
